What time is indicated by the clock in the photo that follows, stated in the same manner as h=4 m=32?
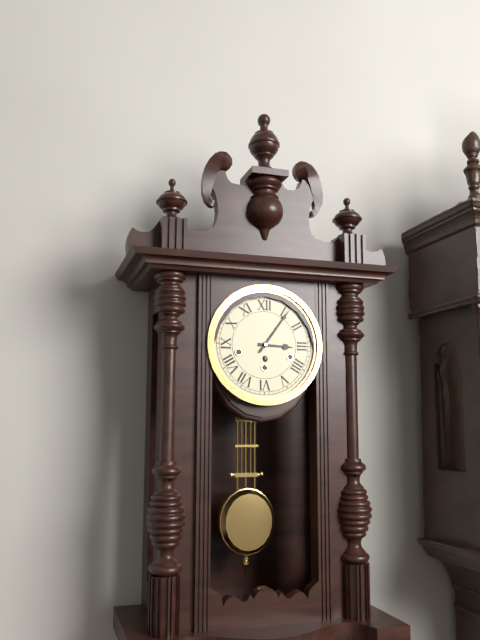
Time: h=3 m=6
